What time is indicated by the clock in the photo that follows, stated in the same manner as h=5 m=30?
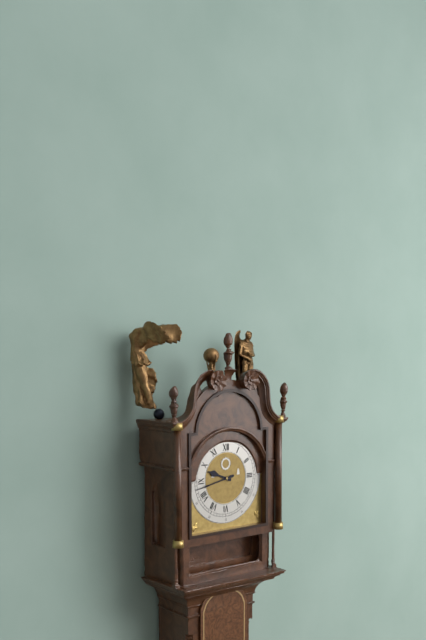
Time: h=9 m=43
